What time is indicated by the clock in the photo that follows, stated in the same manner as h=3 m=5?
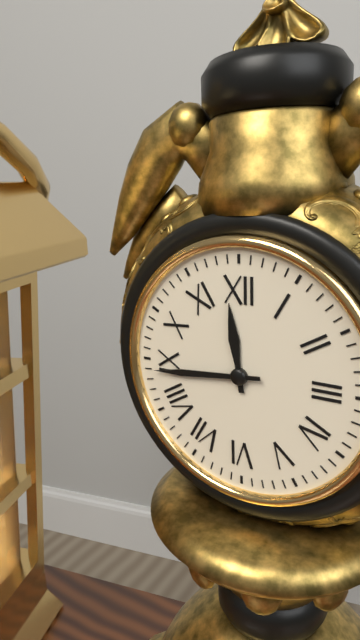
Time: h=11 m=44
